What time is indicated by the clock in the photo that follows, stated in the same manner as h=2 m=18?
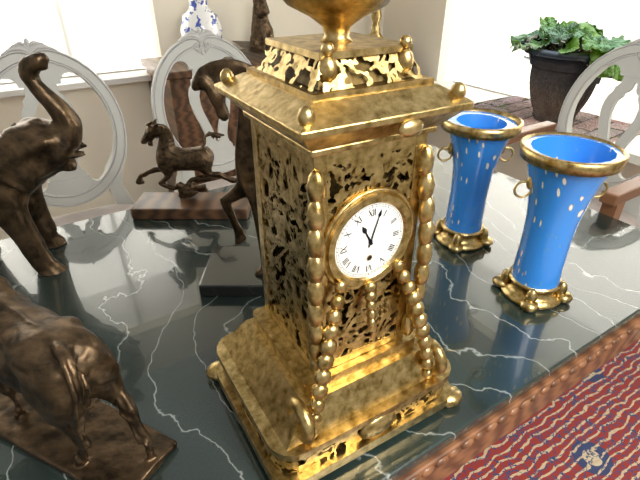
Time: h=11 m=3
